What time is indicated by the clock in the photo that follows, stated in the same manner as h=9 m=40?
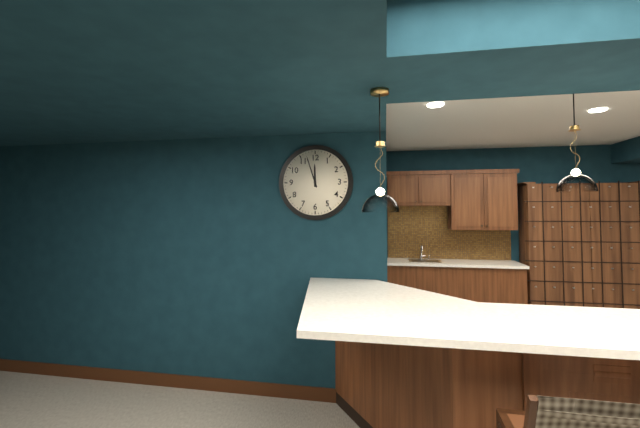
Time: h=11 m=57
